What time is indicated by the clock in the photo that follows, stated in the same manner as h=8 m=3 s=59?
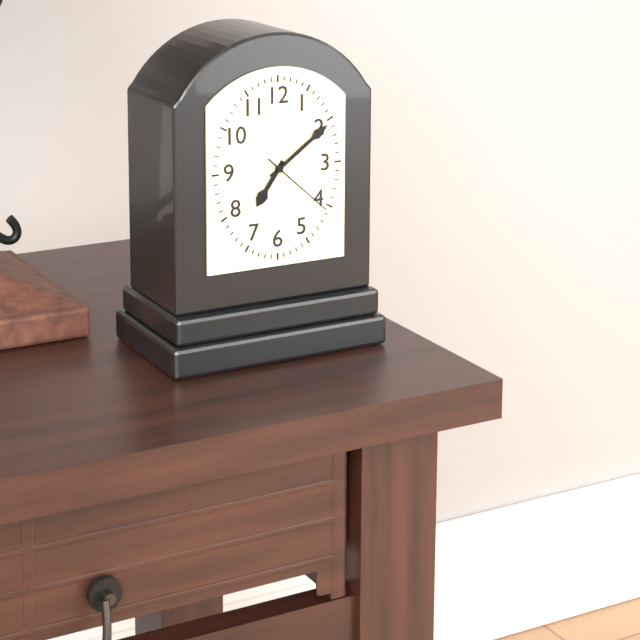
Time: h=7 m=9 s=22
